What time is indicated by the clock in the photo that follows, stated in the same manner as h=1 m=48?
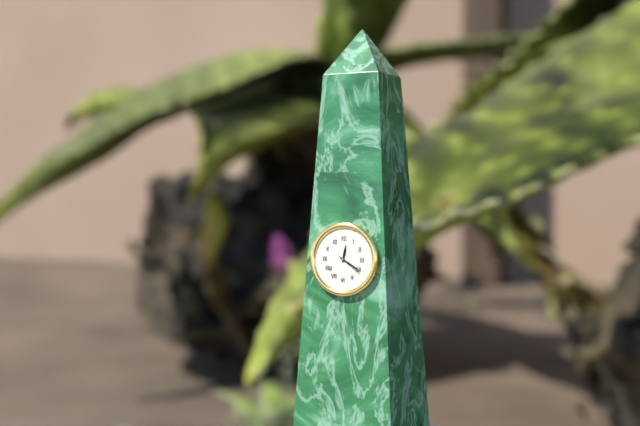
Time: h=12 m=20
